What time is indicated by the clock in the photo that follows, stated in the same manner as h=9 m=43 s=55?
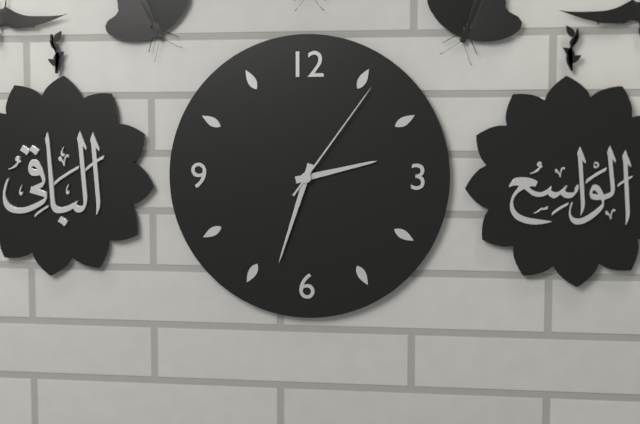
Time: h=2 m=33 s=6
